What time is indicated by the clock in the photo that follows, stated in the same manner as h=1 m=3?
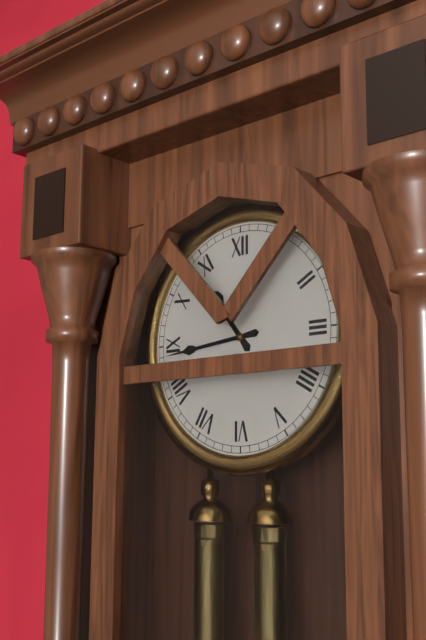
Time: h=10 m=44
